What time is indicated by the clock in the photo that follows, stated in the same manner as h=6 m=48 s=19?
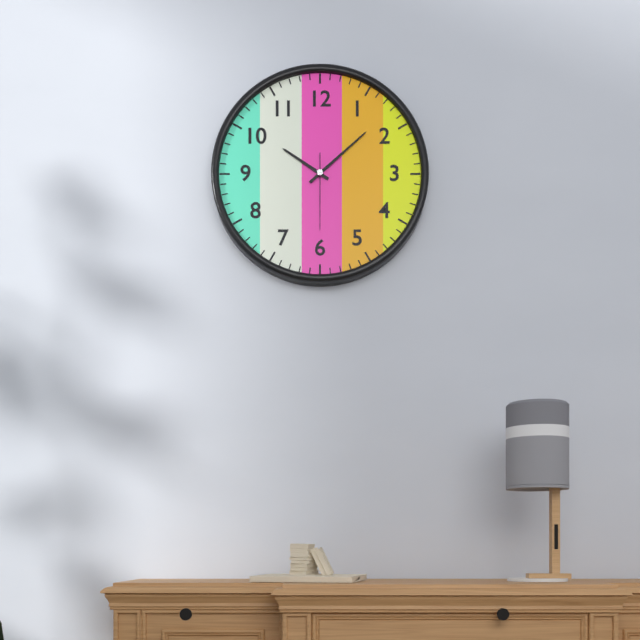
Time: h=10 m=8 s=30
